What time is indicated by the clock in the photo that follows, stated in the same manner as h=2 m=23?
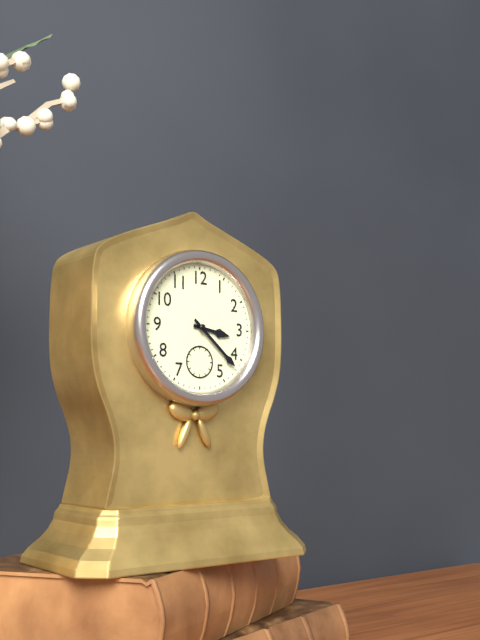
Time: h=3 m=22
